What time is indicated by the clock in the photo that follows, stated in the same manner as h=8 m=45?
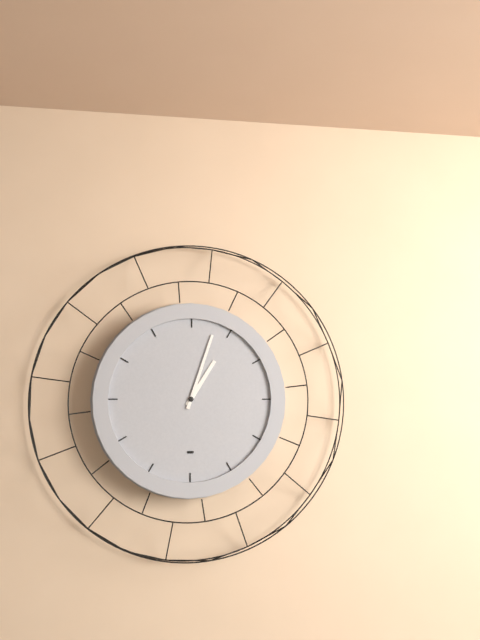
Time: h=1 m=3
